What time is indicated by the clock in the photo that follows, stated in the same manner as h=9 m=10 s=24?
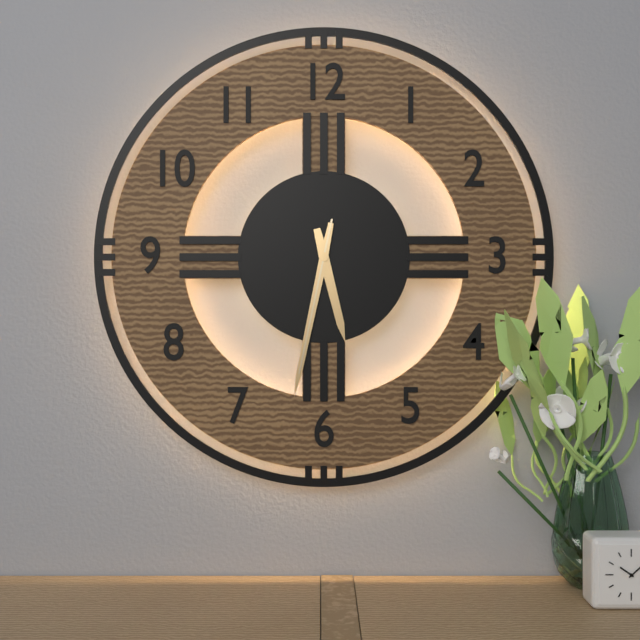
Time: h=5 m=32 s=32
